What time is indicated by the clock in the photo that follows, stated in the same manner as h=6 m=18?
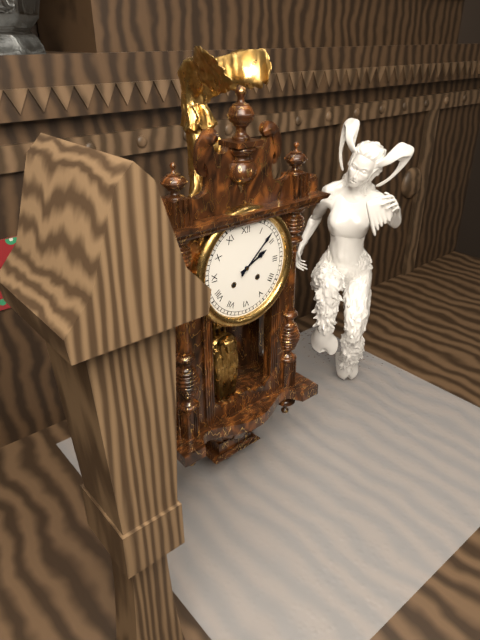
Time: h=2 m=8
